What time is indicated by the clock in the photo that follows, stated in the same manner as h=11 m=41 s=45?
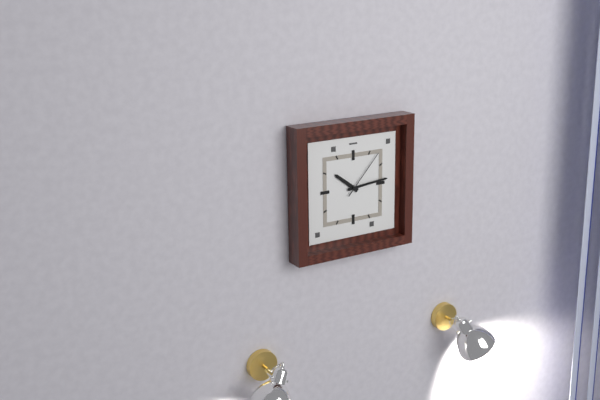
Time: h=10 m=14 s=7
